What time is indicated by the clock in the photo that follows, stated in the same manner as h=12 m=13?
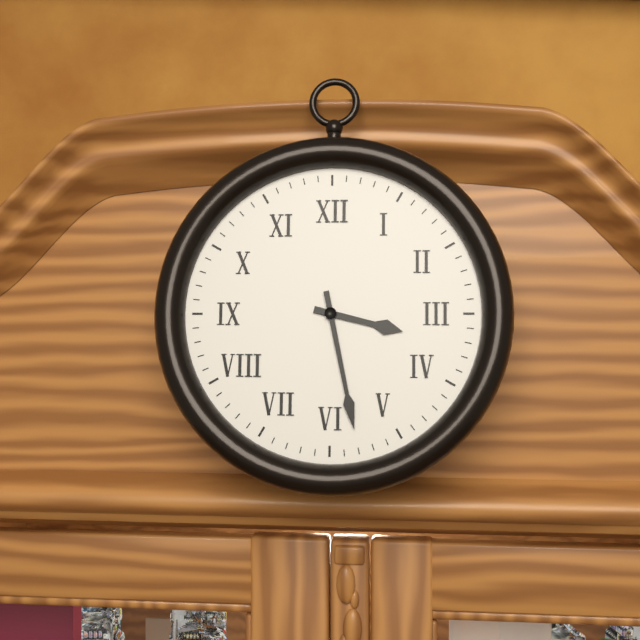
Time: h=3 m=28
